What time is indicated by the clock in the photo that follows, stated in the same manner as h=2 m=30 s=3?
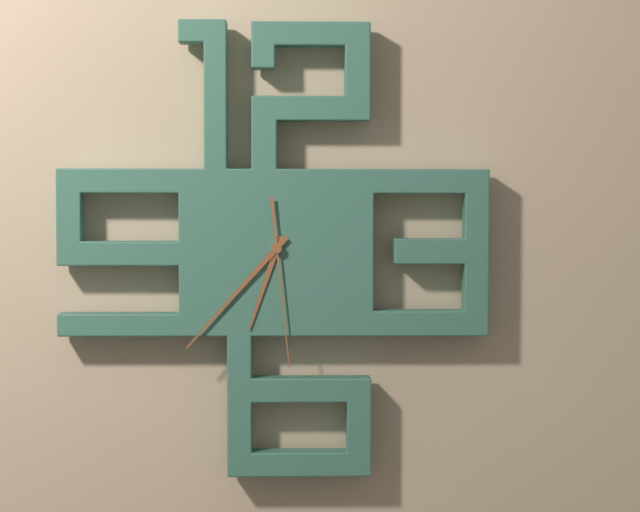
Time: h=6 m=37 s=29
